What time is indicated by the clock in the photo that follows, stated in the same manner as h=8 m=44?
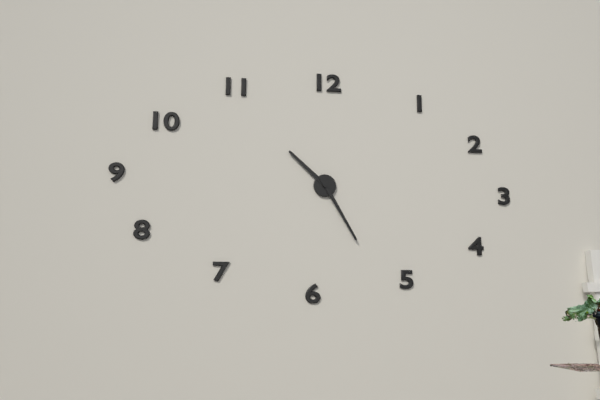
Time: h=10 m=25
